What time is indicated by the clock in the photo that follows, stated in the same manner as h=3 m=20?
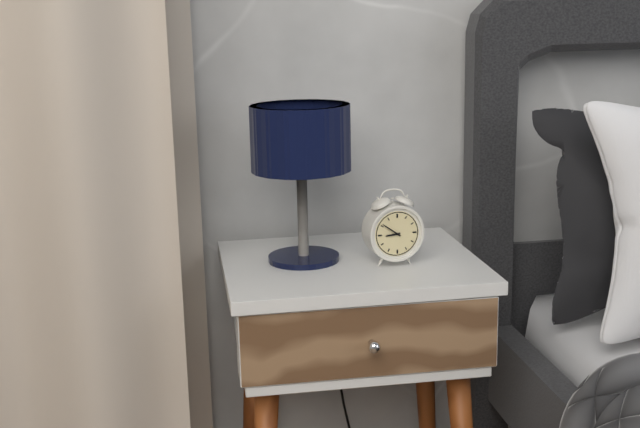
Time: h=8 m=51
